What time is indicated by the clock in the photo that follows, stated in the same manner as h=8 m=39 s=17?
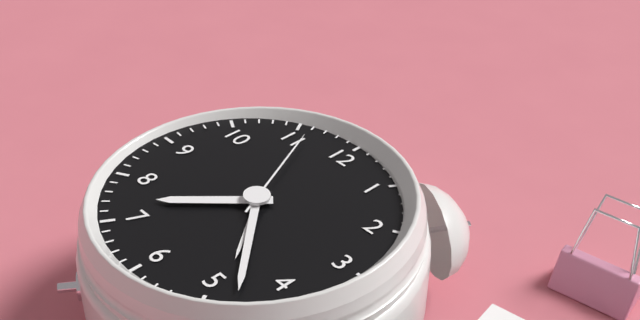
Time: h=7 m=23 s=56
